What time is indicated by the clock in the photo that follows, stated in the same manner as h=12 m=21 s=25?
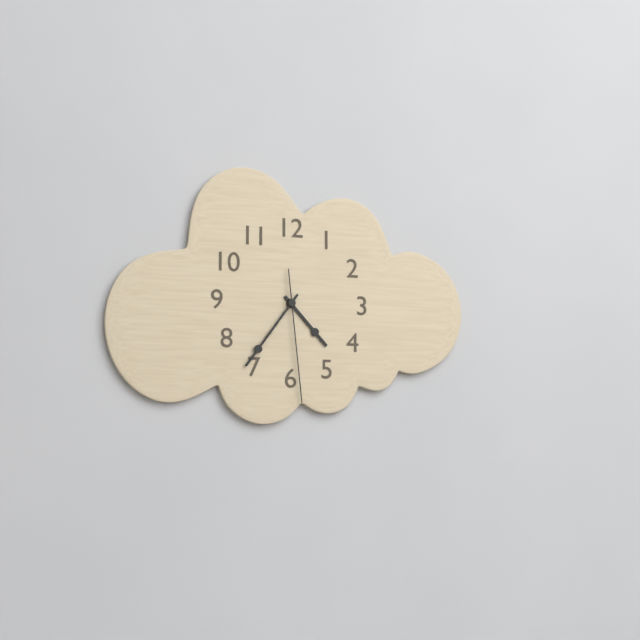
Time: h=4 m=36 s=29
